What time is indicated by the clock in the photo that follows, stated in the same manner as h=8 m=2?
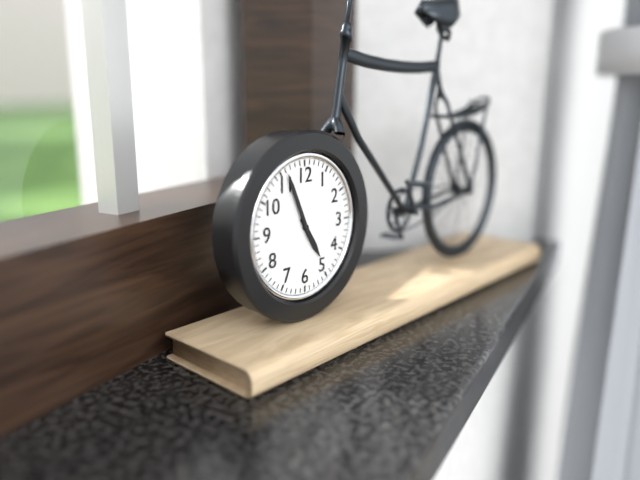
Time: h=4 m=56
